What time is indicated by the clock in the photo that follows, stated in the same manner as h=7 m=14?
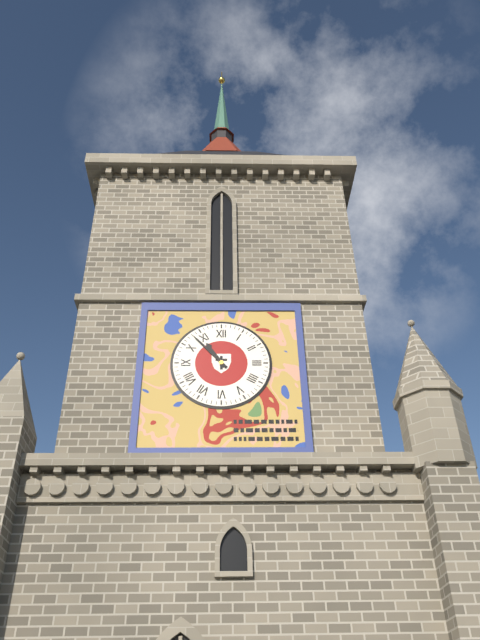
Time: h=10 m=53
